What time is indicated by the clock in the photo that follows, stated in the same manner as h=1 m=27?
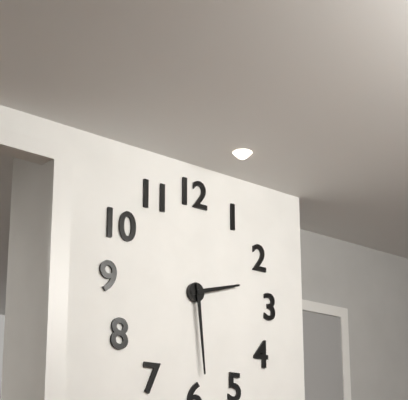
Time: h=2 m=29
